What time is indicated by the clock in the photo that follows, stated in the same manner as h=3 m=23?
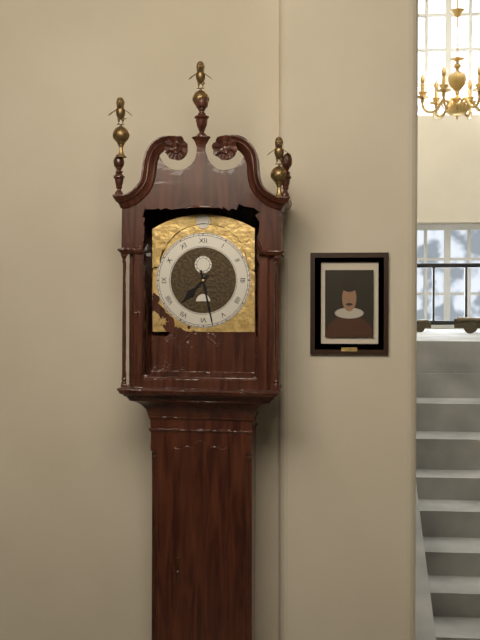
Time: h=7 m=28
